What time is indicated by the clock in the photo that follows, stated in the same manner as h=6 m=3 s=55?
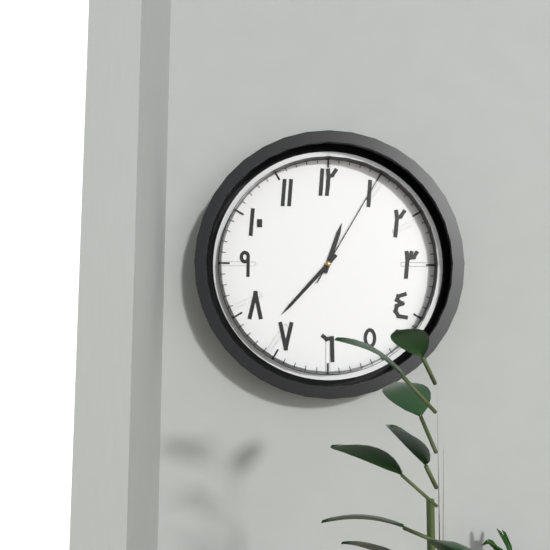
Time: h=12 m=37 s=5
